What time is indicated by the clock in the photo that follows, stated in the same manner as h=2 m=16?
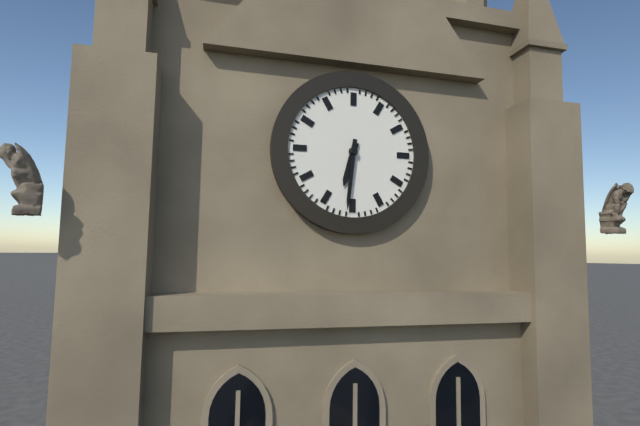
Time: h=6 m=31
